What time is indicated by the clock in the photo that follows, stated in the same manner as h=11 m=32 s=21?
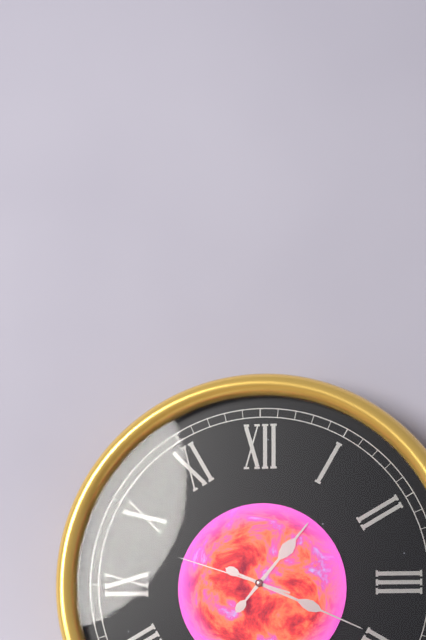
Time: h=1 m=19 s=48
